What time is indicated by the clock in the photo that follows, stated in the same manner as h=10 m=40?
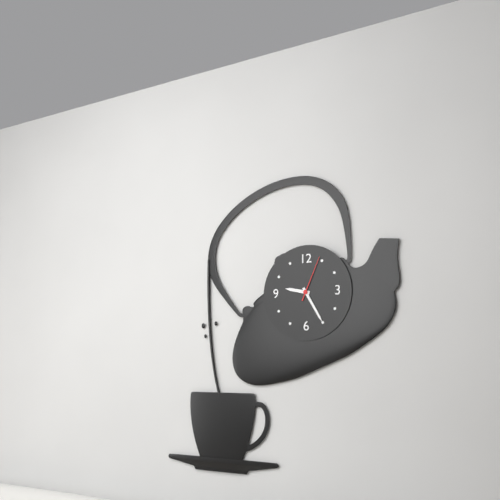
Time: h=9 m=25
